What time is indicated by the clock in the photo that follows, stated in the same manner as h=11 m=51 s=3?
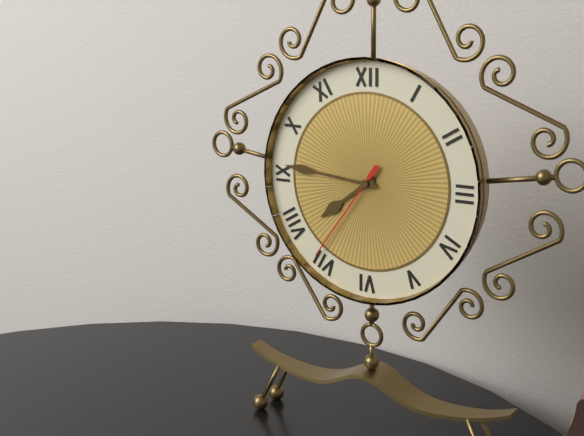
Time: h=7 m=46 s=36
